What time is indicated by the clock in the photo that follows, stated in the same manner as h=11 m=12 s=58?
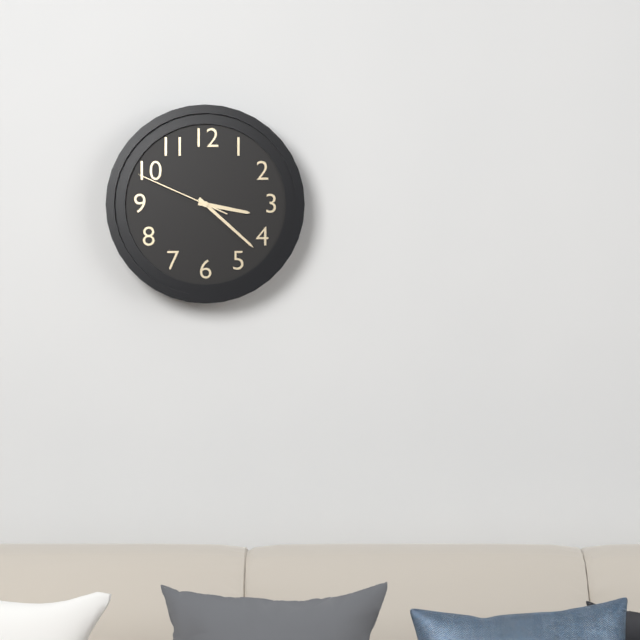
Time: h=3 m=22 s=49
